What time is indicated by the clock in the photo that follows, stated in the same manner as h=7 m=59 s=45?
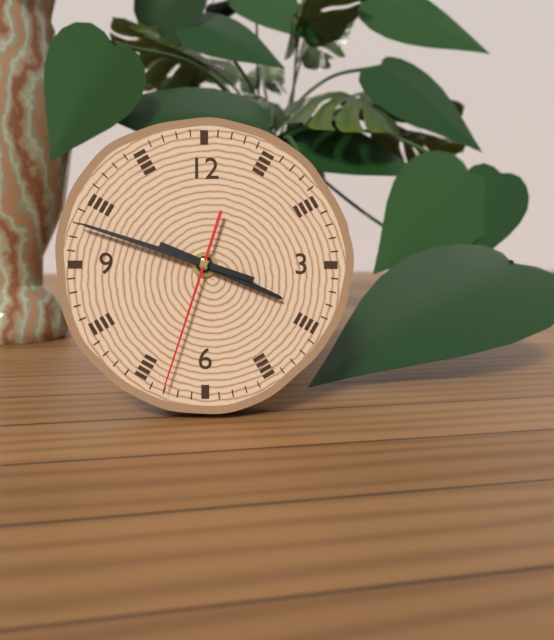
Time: h=3 m=48 s=33
